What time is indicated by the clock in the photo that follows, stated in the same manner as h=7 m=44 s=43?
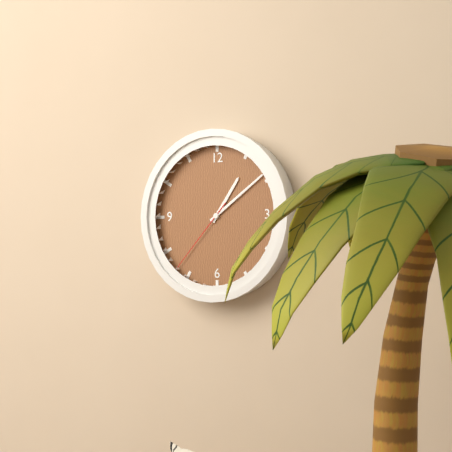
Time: h=1 m=9 s=37
